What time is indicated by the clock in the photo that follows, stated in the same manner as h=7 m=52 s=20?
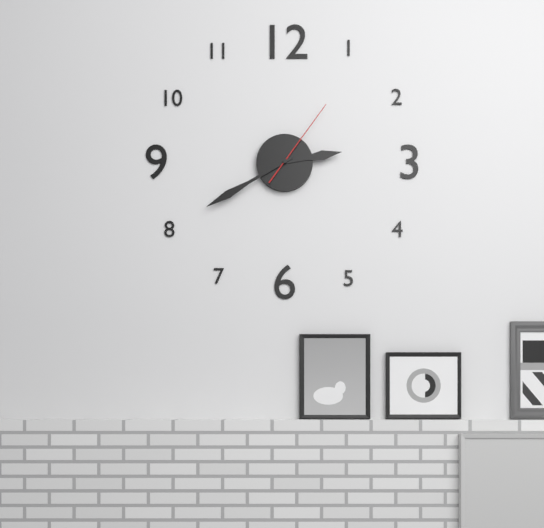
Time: h=2 m=40 s=6
